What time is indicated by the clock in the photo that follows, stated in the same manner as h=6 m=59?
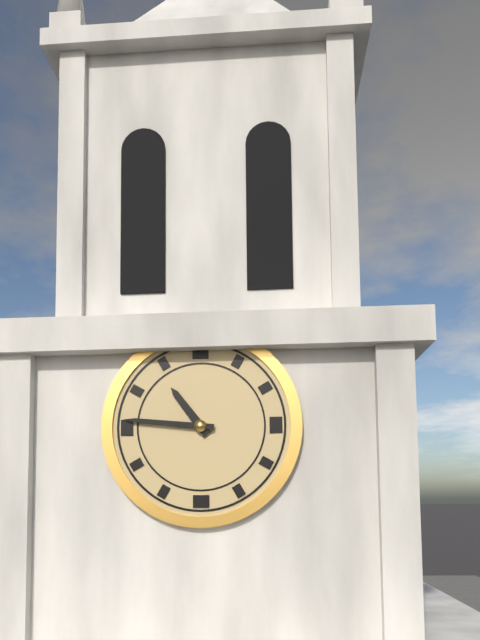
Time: h=10 m=46
